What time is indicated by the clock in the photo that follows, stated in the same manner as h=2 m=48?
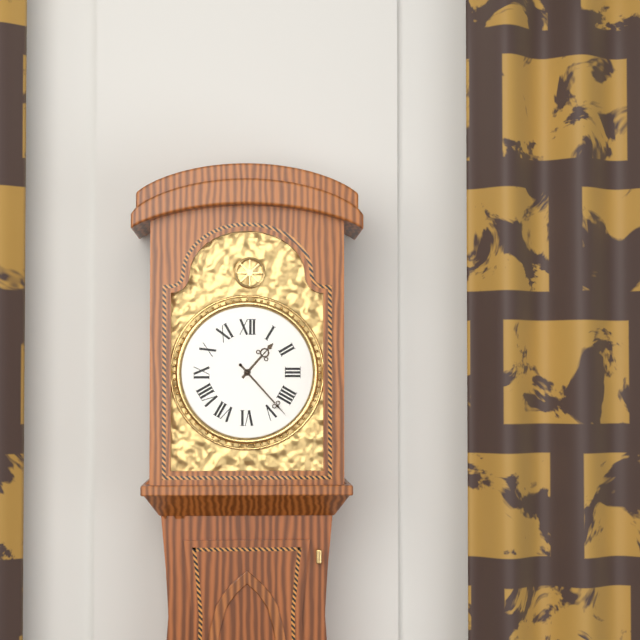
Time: h=1 m=23
